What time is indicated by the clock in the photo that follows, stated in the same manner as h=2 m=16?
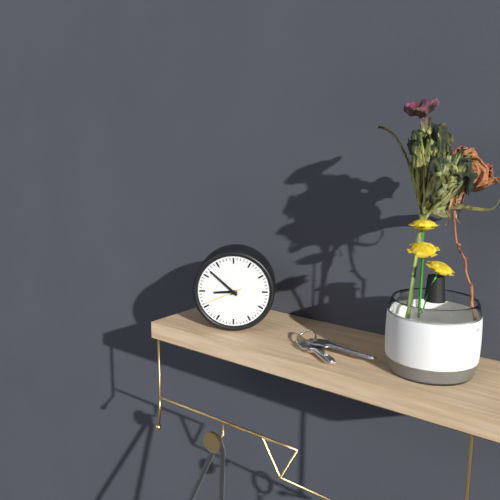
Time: h=8 m=52
